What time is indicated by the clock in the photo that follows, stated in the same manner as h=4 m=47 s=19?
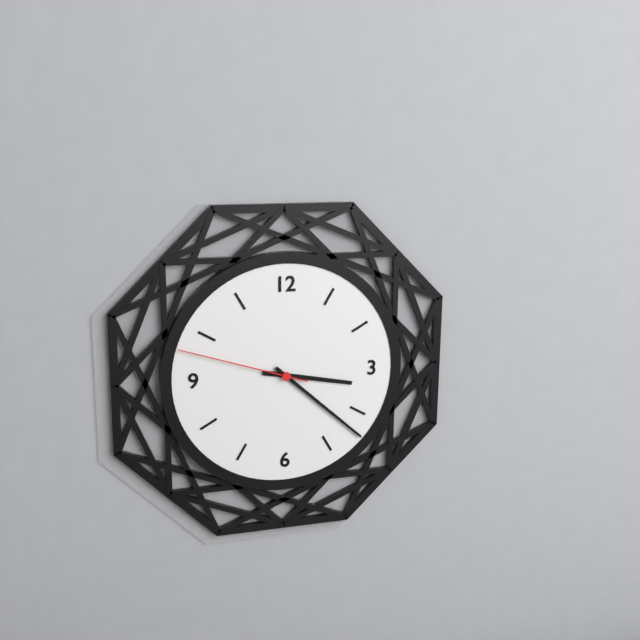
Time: h=3 m=22 s=48
